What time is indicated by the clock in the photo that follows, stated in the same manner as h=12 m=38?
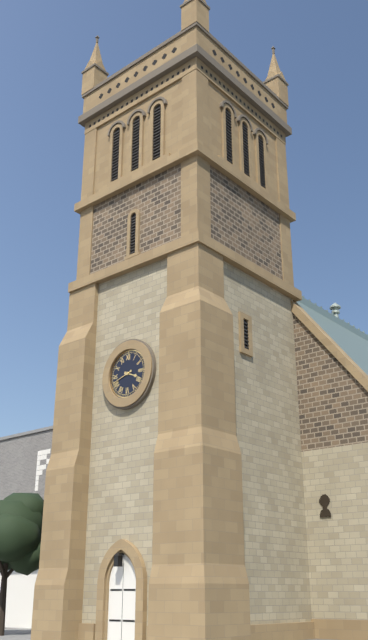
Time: h=3 m=42
